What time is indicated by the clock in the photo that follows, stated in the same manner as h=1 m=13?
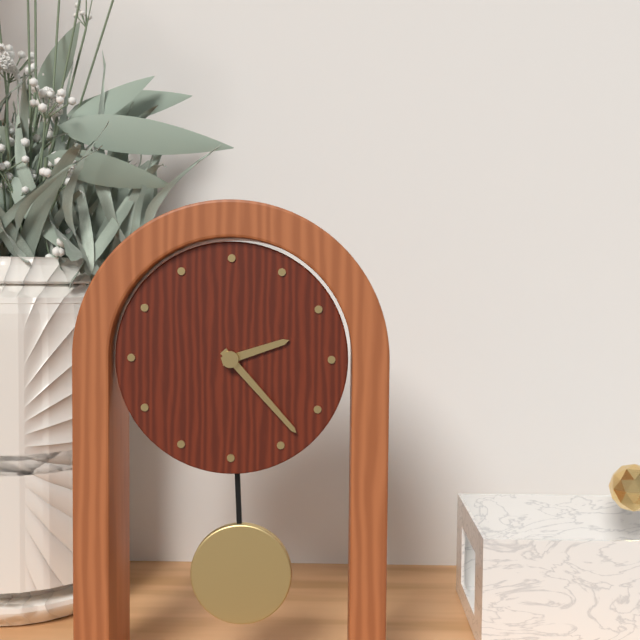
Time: h=2 m=23
